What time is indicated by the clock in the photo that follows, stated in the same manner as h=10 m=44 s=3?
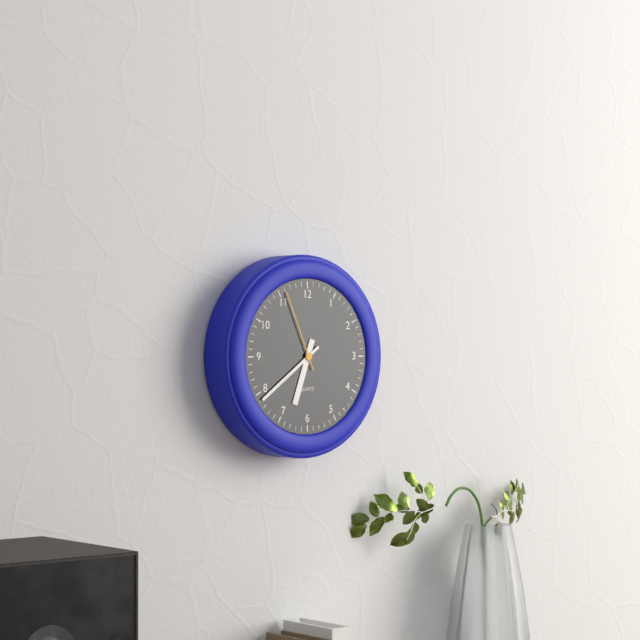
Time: h=6 m=39 s=56
